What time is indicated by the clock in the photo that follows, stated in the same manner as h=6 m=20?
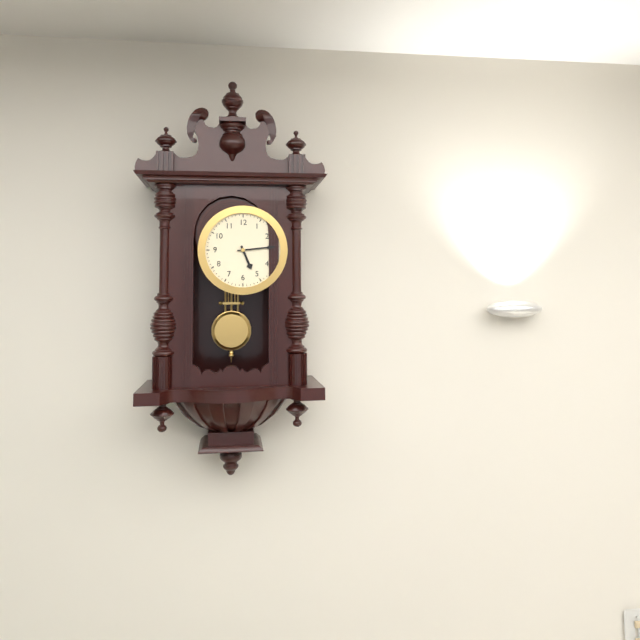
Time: h=5 m=14
